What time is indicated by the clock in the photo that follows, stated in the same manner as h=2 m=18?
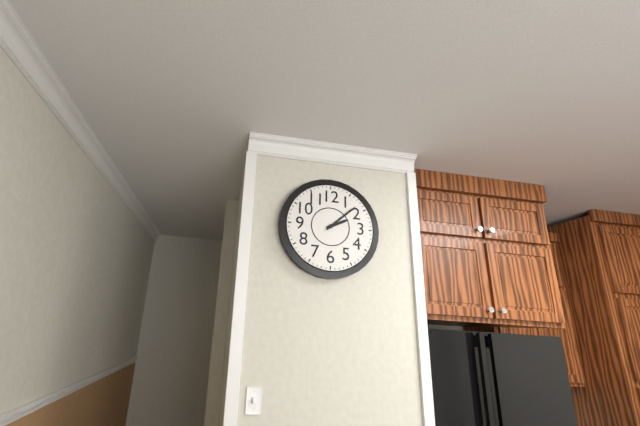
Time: h=2 m=8
